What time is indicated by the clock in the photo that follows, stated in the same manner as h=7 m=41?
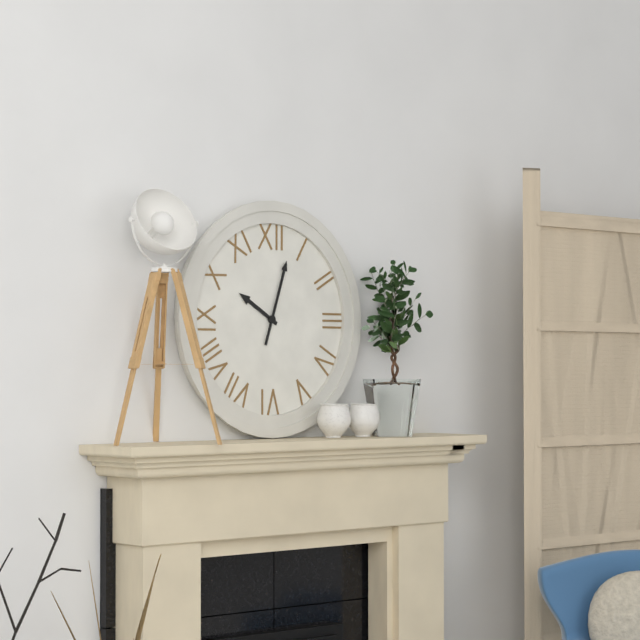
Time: h=10 m=3
